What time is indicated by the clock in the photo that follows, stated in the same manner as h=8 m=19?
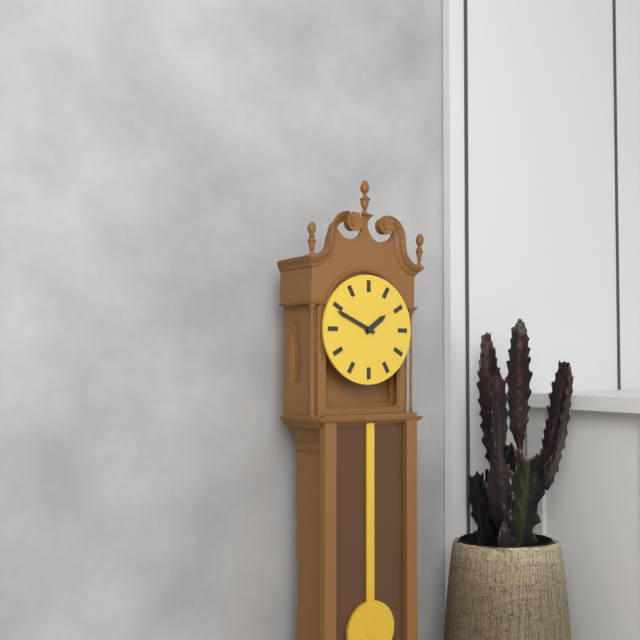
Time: h=1 m=49
